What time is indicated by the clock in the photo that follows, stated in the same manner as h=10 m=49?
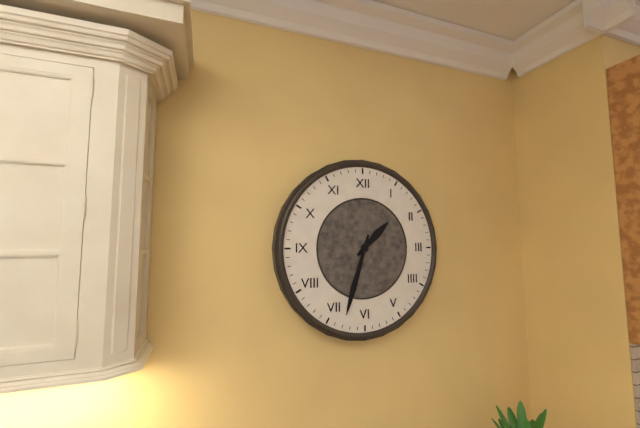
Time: h=1 m=33
